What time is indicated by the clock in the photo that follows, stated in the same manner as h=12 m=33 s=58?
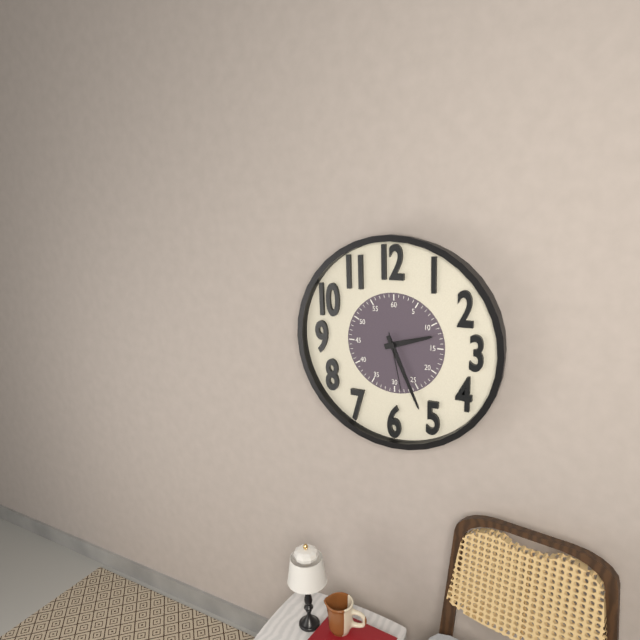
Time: h=2 m=26 s=28
